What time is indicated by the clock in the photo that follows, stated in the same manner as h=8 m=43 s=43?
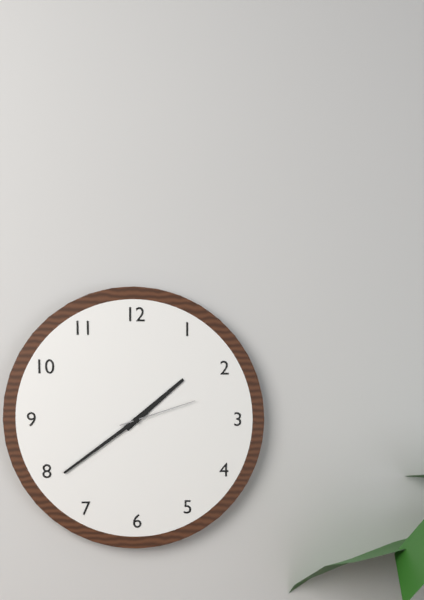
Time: h=1 m=39 s=12
